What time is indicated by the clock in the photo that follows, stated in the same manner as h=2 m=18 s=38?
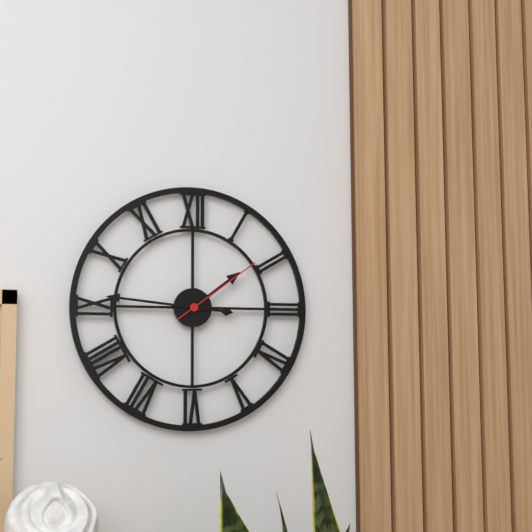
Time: h=1 m=46 s=9
